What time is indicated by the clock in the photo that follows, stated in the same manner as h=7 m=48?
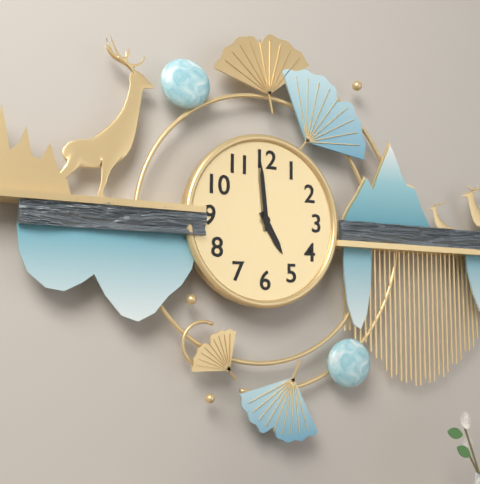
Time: h=4 m=59
